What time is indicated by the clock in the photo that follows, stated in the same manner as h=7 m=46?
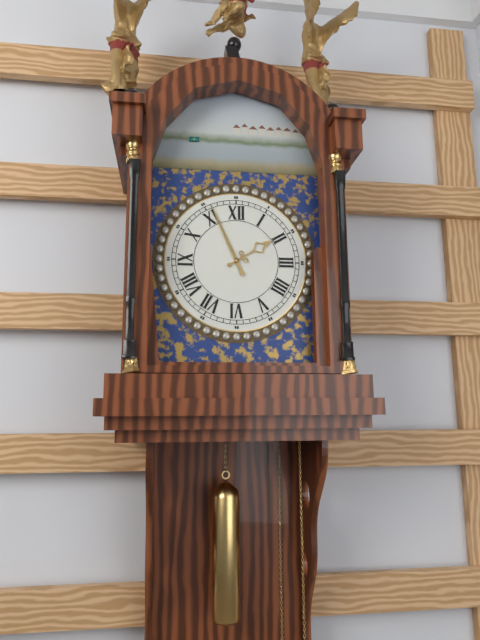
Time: h=1 m=56
